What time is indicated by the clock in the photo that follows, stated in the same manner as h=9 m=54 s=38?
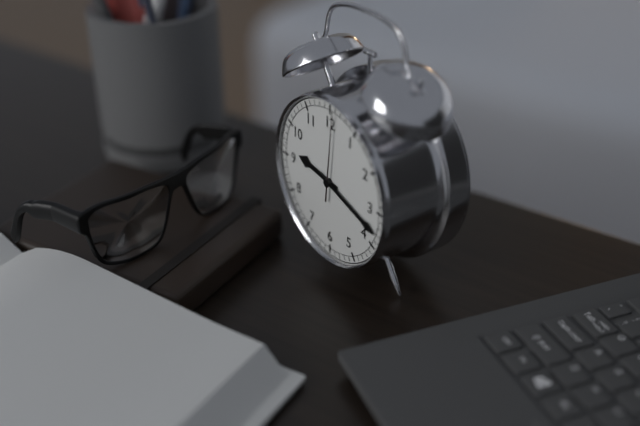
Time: h=9 m=18 s=1
